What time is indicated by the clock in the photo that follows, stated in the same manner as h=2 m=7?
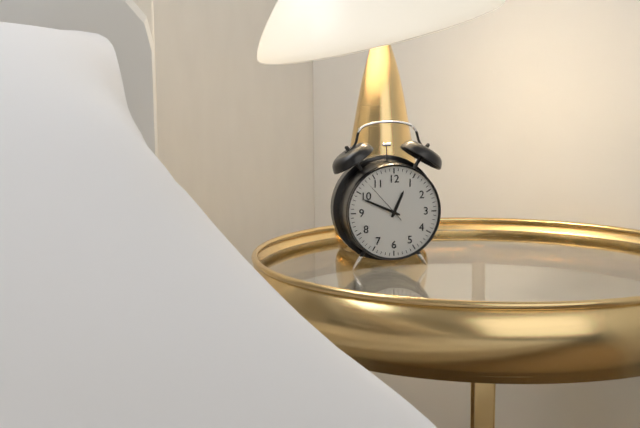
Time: h=12 m=49
